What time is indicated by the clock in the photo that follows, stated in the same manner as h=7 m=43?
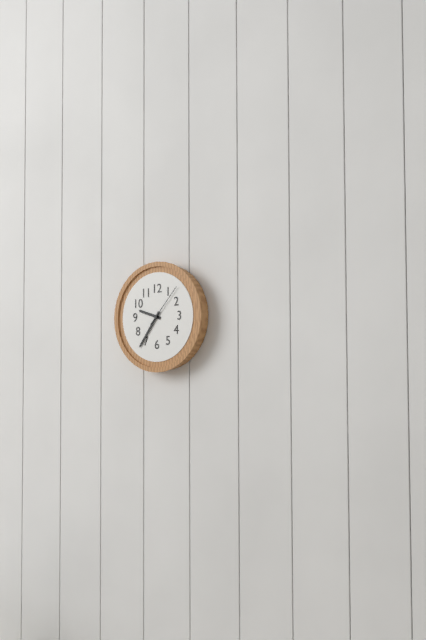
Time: h=9 m=36
